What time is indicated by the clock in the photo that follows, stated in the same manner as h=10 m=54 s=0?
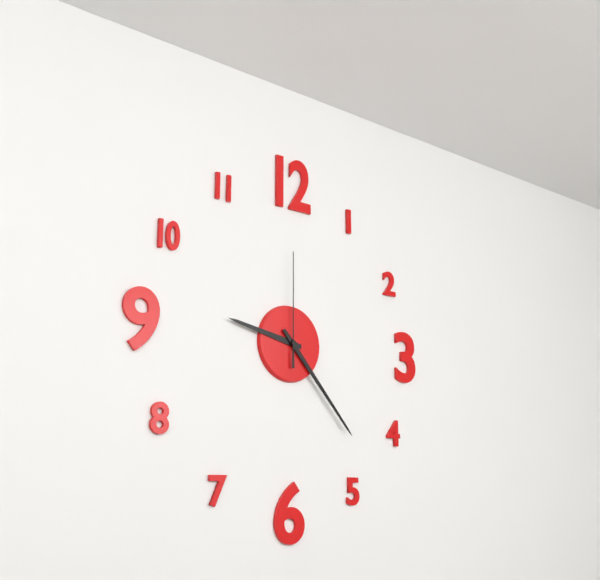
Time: h=9 m=23 s=0
